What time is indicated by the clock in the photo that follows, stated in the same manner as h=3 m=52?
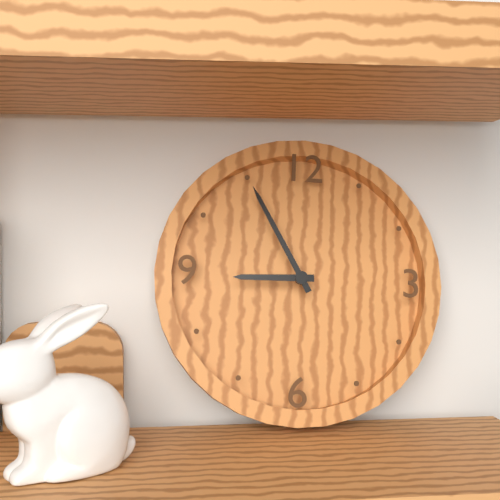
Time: h=8 m=55
